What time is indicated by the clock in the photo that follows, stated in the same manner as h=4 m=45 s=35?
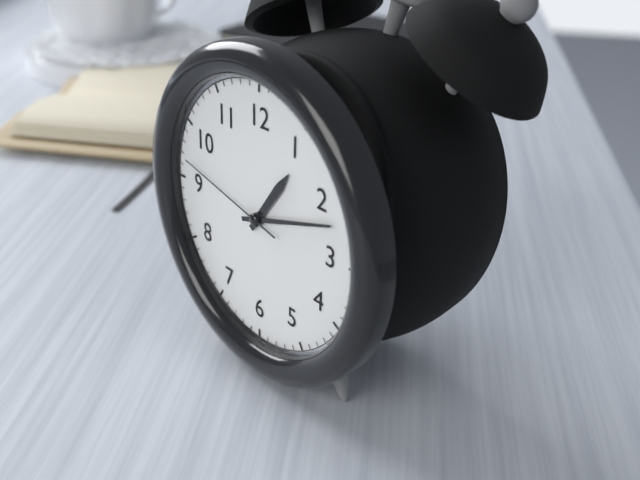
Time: h=1 m=12 s=47
